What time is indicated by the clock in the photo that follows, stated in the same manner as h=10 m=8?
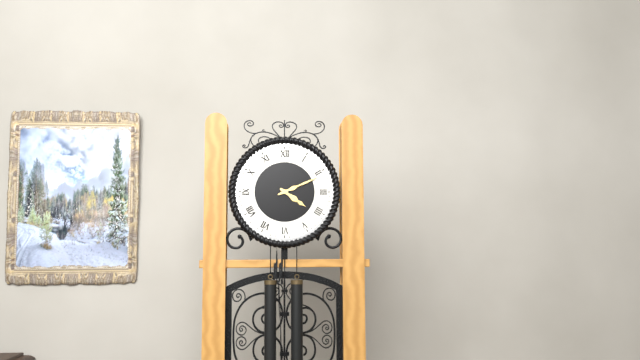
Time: h=4 m=11
